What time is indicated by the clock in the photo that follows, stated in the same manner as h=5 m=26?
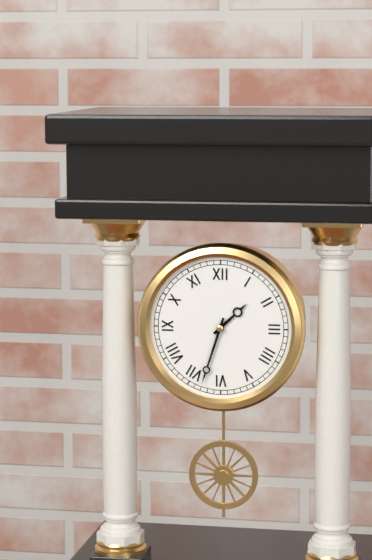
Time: h=1 m=33
